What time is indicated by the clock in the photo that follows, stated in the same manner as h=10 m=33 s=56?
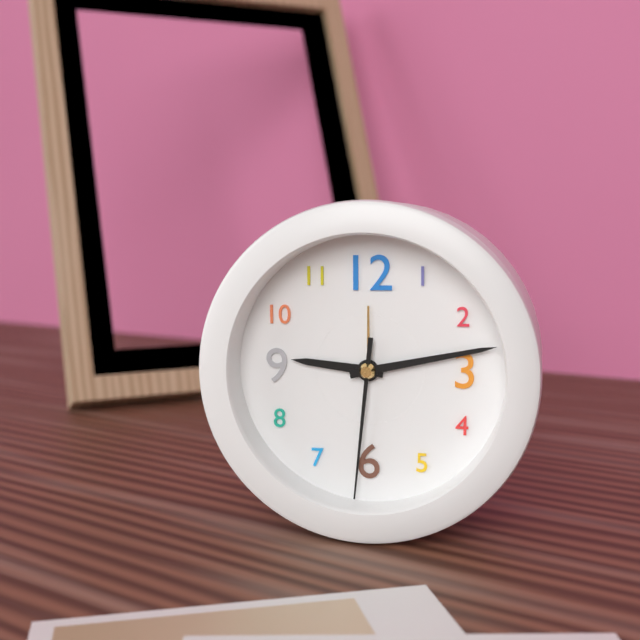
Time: h=9 m=13 s=31
